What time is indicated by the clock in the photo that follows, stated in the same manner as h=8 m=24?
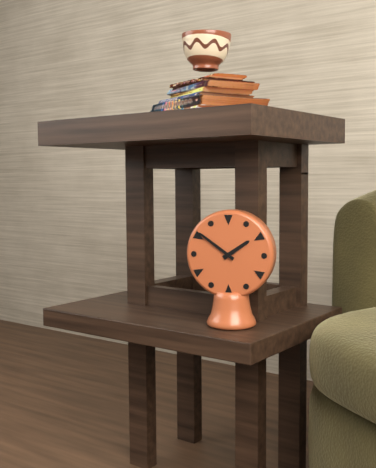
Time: h=1 m=51
